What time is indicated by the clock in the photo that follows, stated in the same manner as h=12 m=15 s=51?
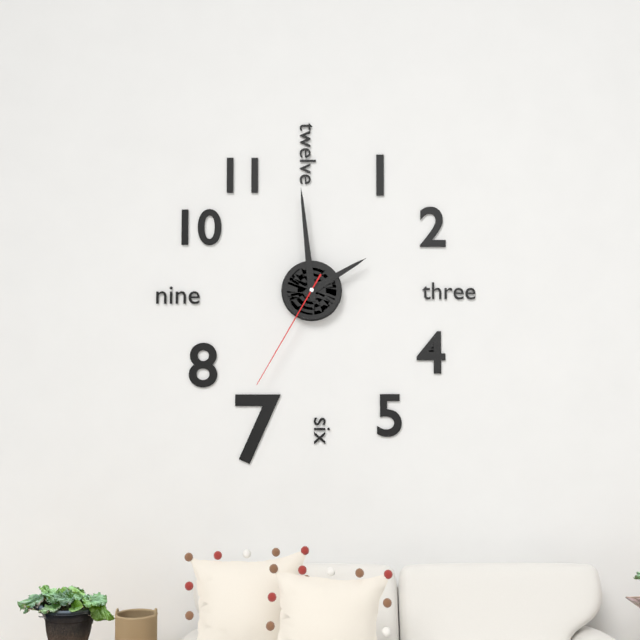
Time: h=1 m=59 s=35
